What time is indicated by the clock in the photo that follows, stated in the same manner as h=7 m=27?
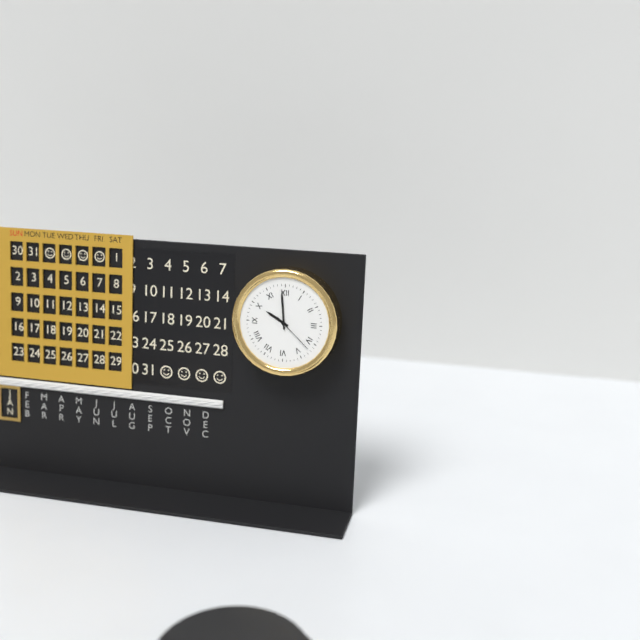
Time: h=9 m=59
